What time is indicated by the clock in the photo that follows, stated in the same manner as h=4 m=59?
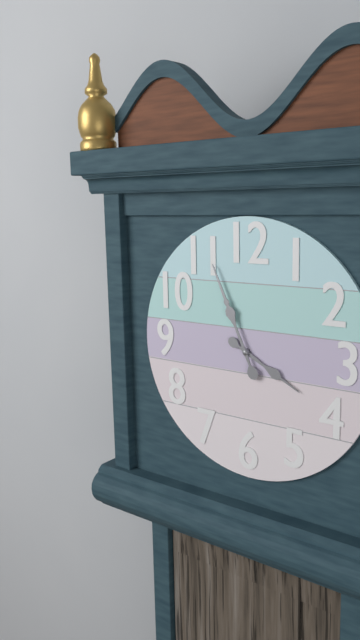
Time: h=3 m=56
